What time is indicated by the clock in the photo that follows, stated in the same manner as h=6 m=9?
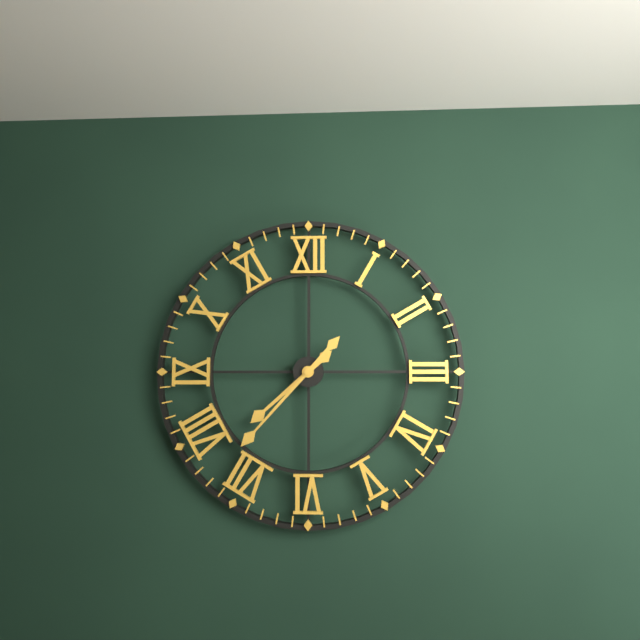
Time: h=7 m=37
